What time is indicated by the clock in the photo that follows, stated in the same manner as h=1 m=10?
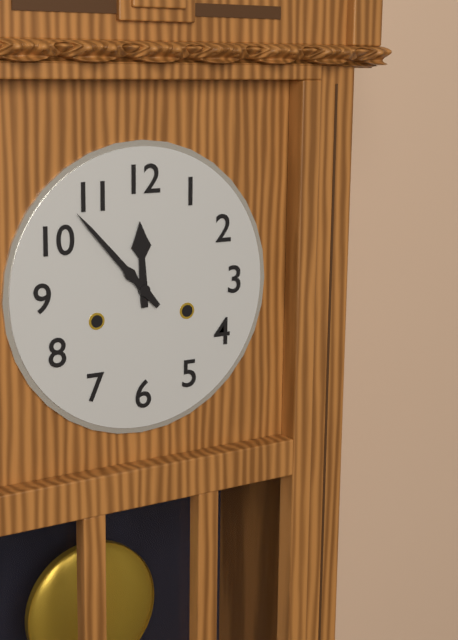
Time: h=11 m=53
